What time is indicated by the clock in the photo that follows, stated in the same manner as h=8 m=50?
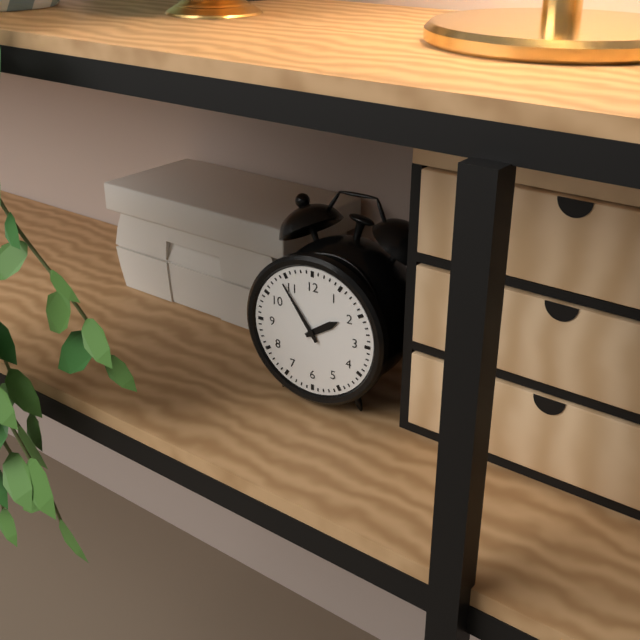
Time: h=1 m=54
